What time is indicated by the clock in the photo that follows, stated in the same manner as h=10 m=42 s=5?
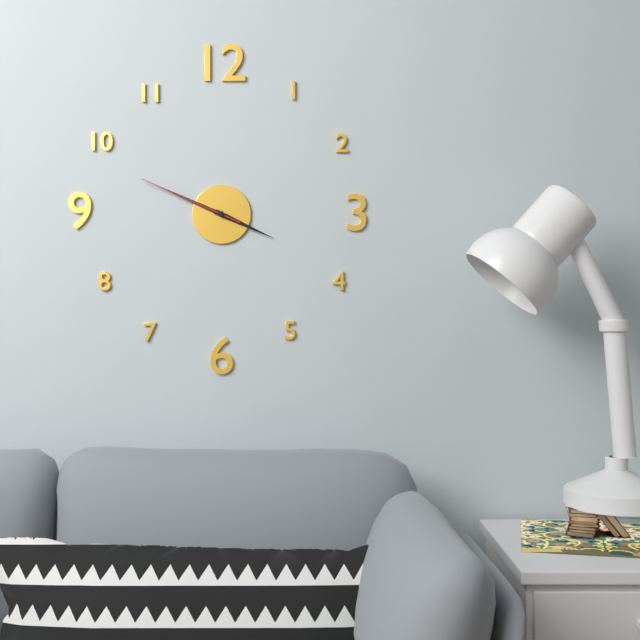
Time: h=3 m=49 s=49
